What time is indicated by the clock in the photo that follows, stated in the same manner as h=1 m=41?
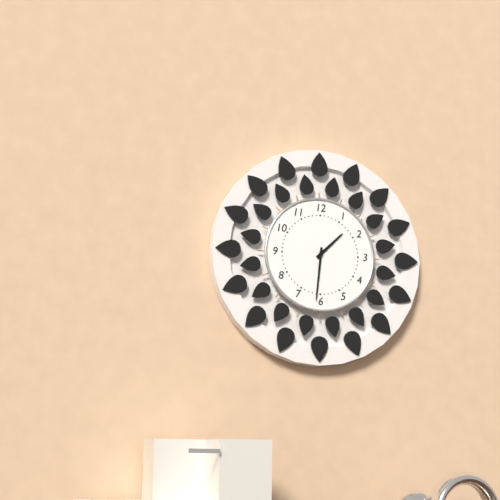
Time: h=1 m=31
